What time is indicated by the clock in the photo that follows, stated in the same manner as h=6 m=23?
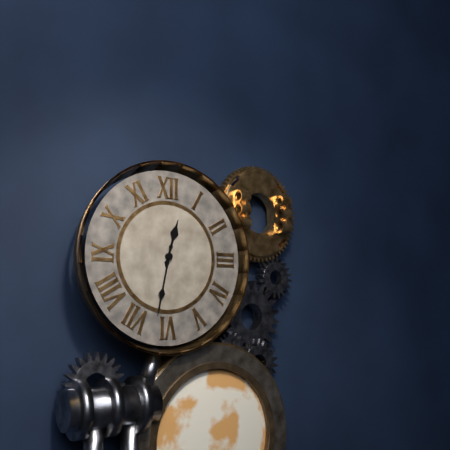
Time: h=12 m=32
